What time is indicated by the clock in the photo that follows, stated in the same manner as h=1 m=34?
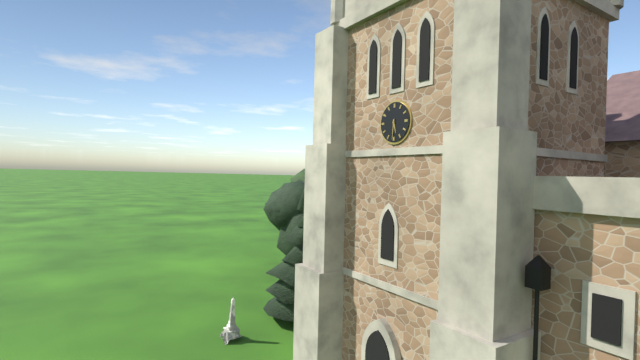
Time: h=5 m=31
